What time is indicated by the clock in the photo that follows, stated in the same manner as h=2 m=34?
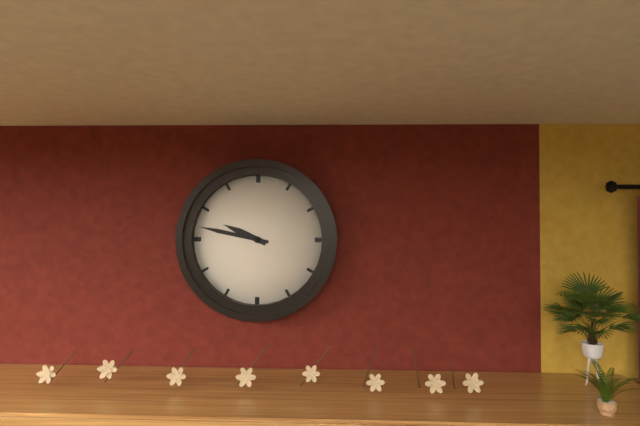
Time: h=9 m=47
